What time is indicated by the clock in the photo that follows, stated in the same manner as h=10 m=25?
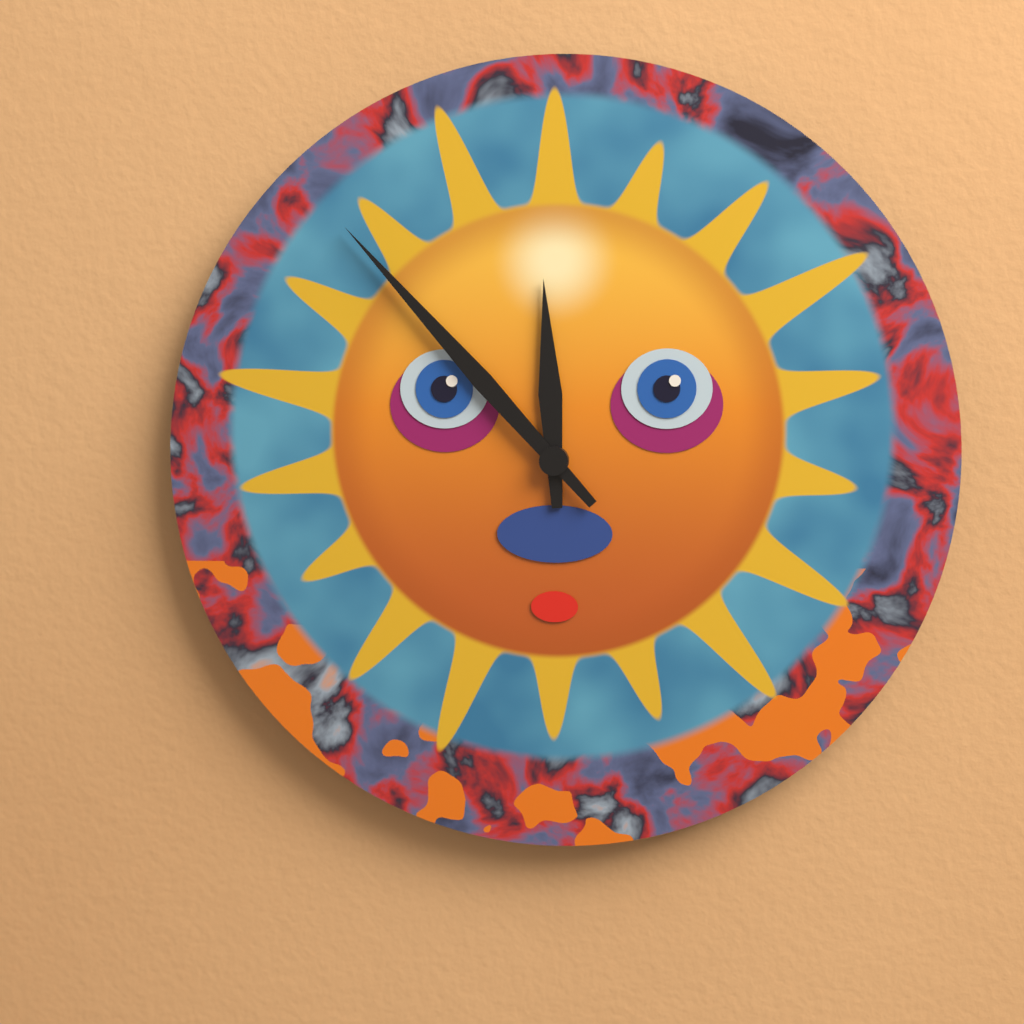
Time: h=11 m=53
